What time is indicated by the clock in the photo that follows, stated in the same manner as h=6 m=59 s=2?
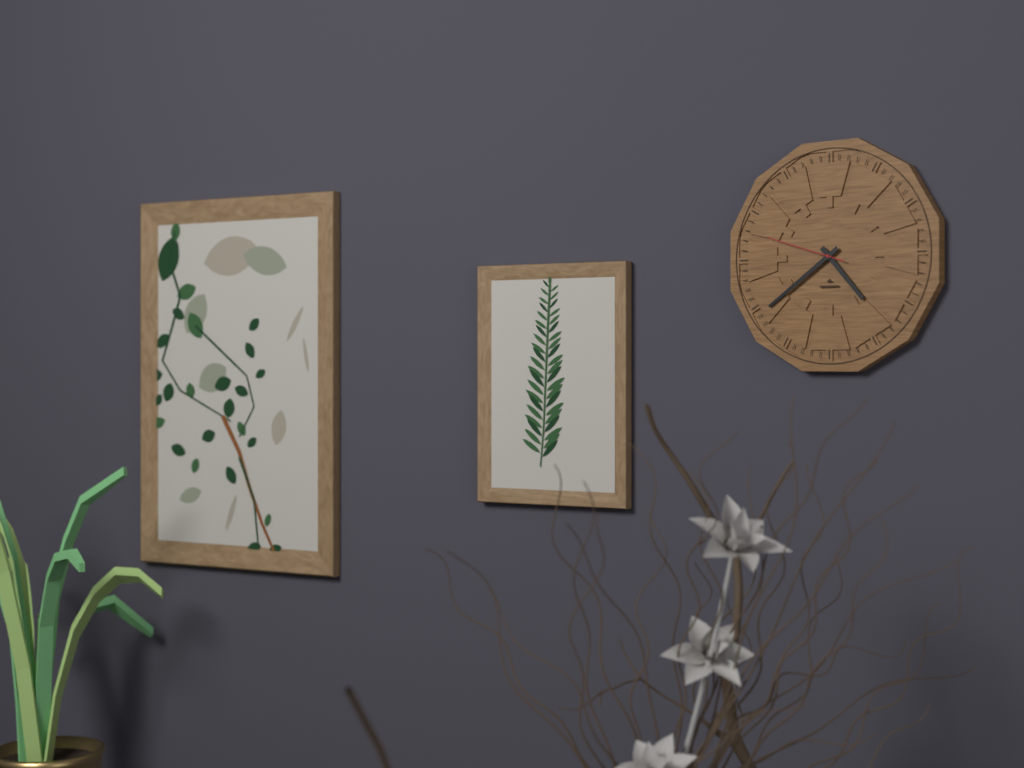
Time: h=4 m=39 s=48
